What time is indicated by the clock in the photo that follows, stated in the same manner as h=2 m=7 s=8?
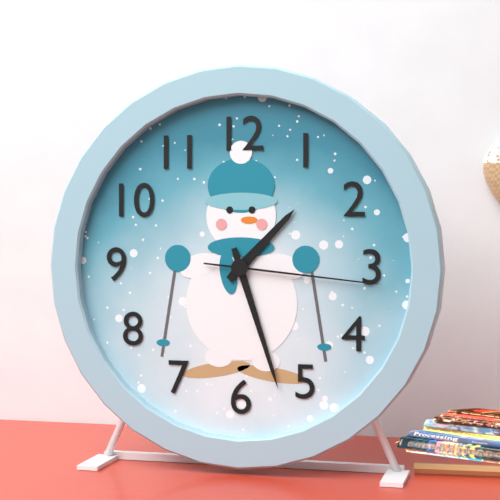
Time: h=1 m=27 s=16
